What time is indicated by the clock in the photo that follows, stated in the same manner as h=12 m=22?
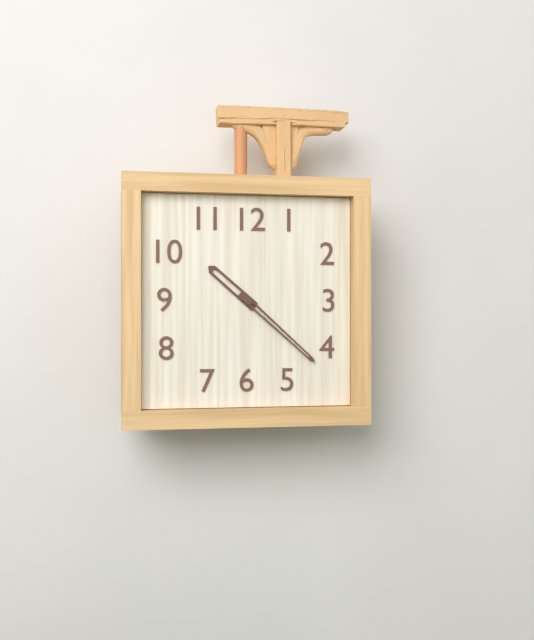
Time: h=10 m=22
